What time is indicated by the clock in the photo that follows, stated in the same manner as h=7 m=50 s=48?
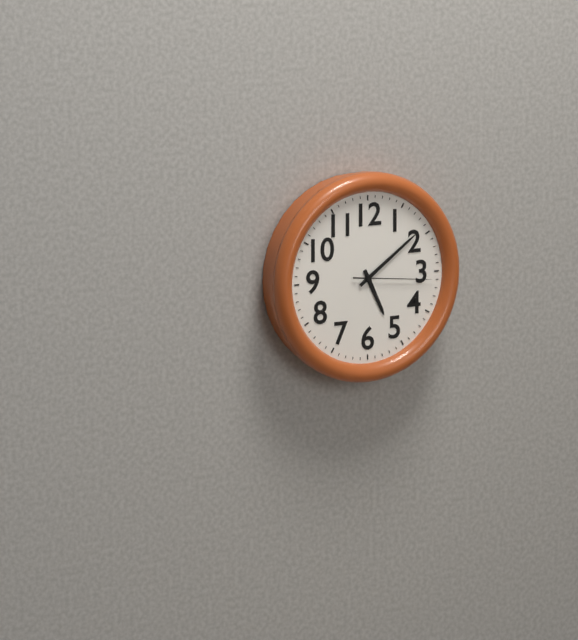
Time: h=5 m=9 s=16
